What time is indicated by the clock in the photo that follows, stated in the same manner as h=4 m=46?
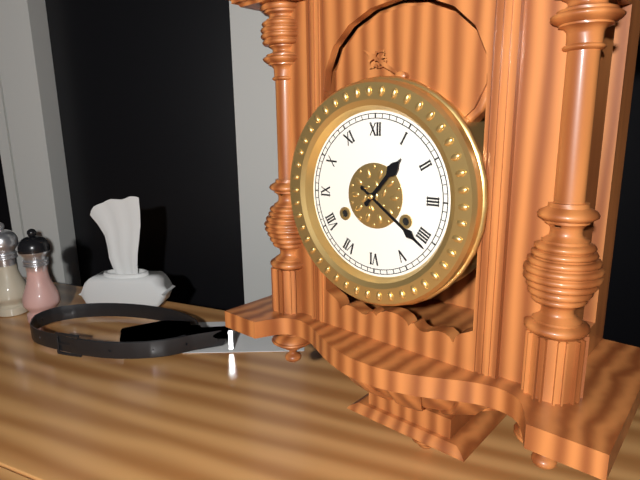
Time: h=1 m=21
